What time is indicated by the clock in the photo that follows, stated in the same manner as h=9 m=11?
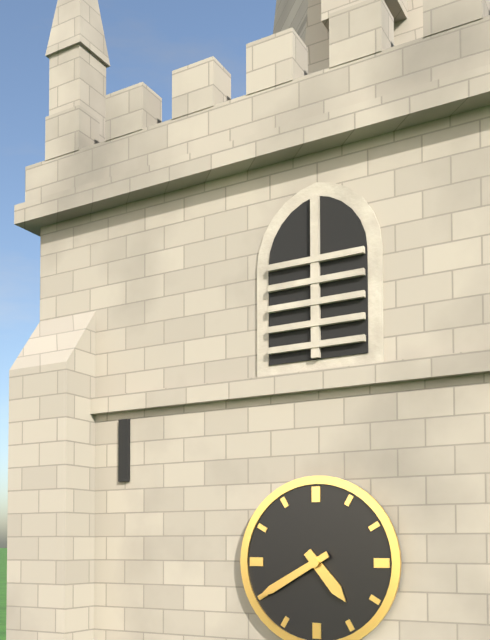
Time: h=4 m=40
